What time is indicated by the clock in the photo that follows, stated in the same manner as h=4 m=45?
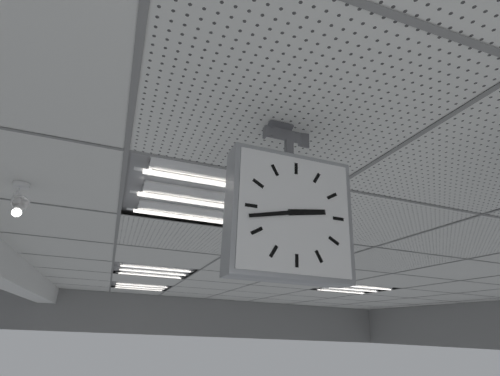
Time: h=2 m=43
